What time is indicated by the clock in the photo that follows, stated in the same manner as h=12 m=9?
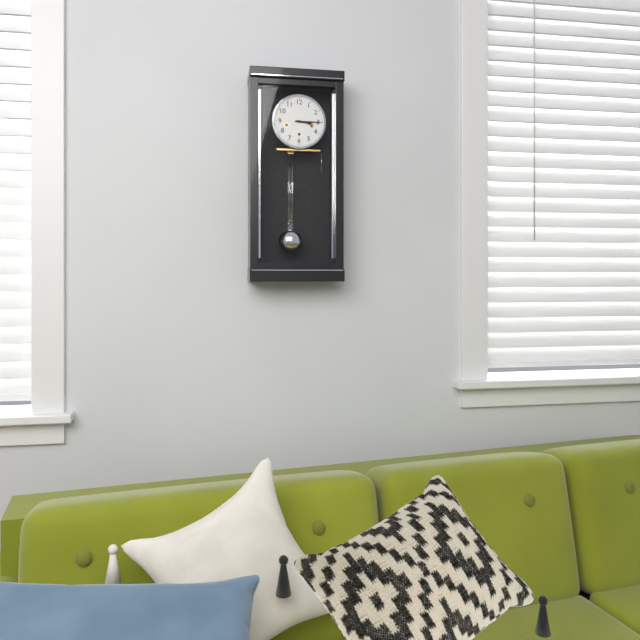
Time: h=3 m=15
